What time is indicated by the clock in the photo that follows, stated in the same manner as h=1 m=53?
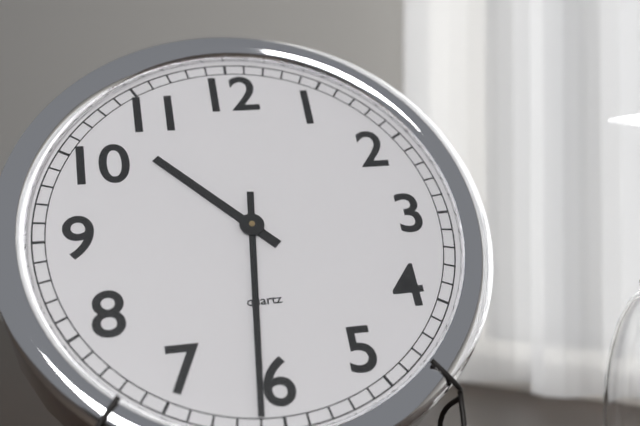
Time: h=10 m=31
